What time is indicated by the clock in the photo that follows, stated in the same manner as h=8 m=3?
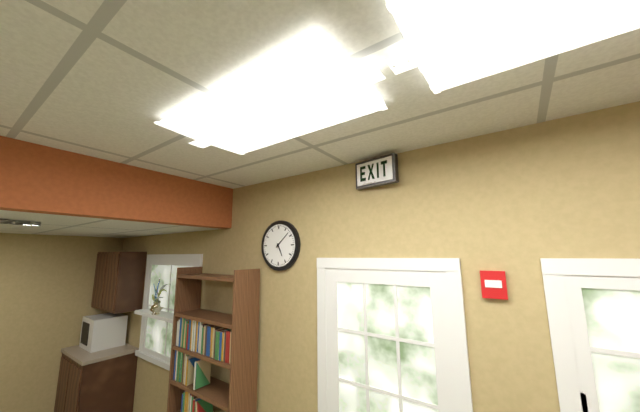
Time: h=5 m=8
